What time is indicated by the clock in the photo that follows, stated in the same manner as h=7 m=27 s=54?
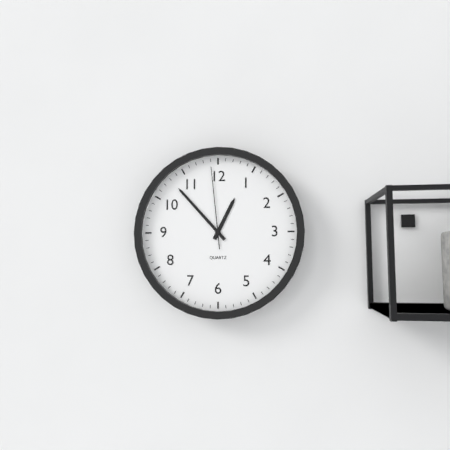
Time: h=12 m=53 s=59
